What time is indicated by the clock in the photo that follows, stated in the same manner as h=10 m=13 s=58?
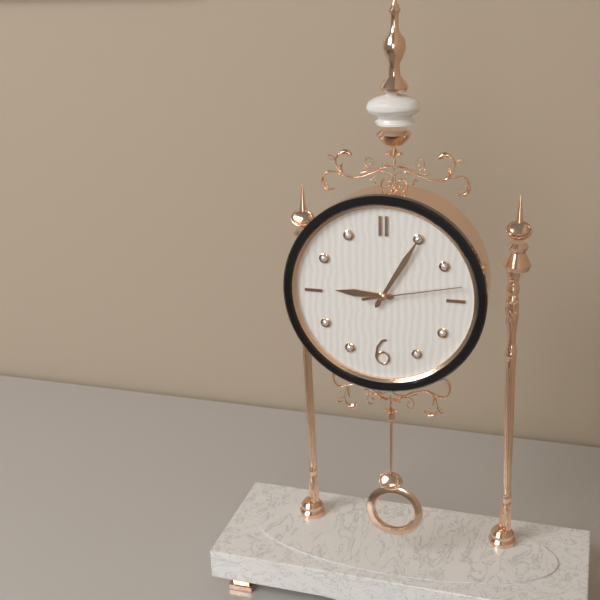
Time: h=9 m=5 s=13
